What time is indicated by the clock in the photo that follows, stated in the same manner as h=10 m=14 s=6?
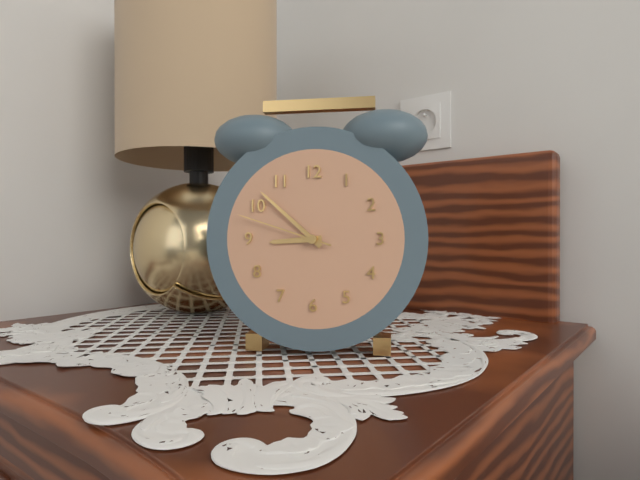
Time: h=8 m=52 s=48
